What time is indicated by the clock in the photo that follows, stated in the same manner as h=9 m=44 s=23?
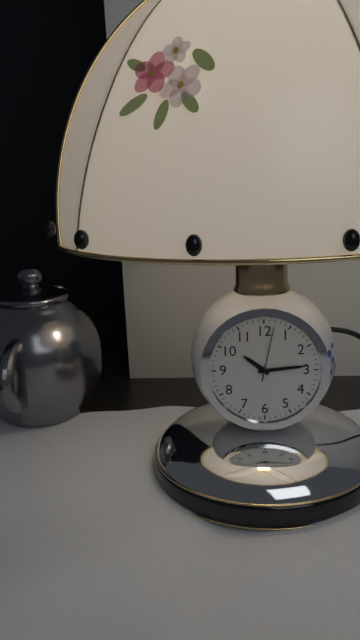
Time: h=10 m=14 s=2
